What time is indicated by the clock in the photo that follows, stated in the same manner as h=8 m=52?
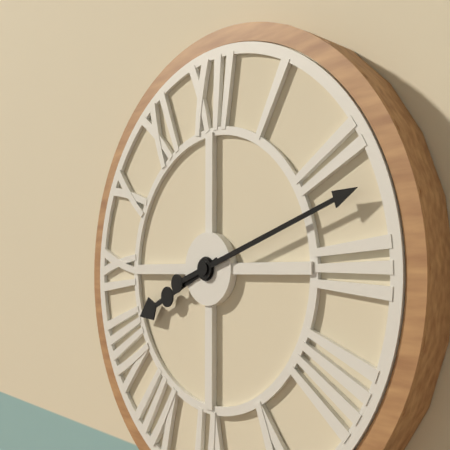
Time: h=8 m=12
